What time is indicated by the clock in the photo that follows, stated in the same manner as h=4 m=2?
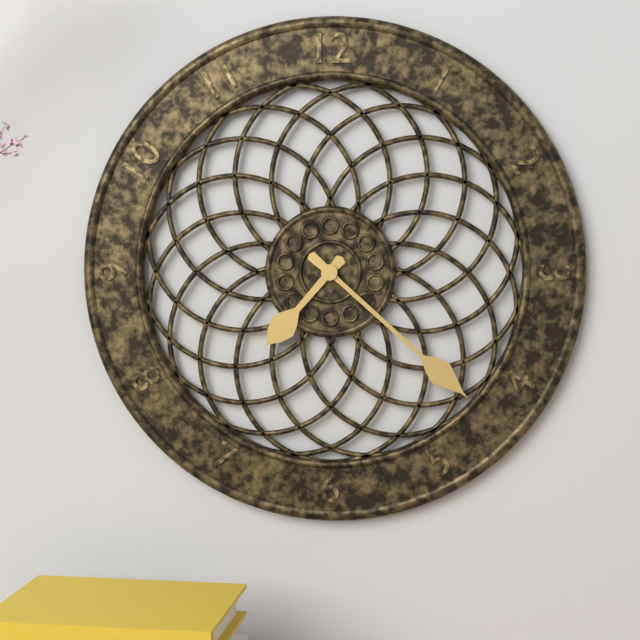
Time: h=7 m=22
